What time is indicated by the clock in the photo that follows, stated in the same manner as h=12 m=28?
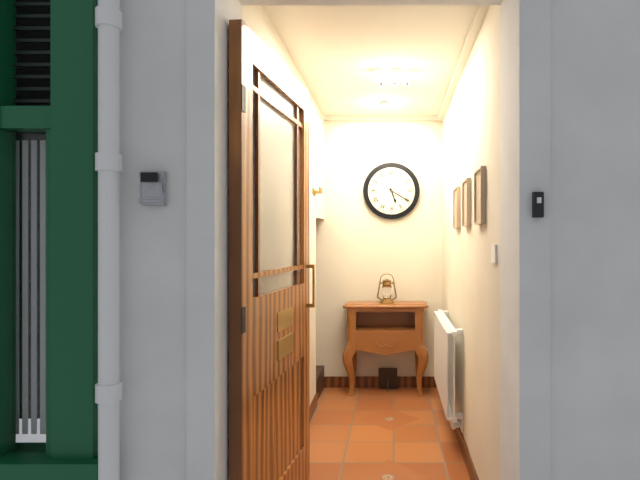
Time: h=5 m=20
